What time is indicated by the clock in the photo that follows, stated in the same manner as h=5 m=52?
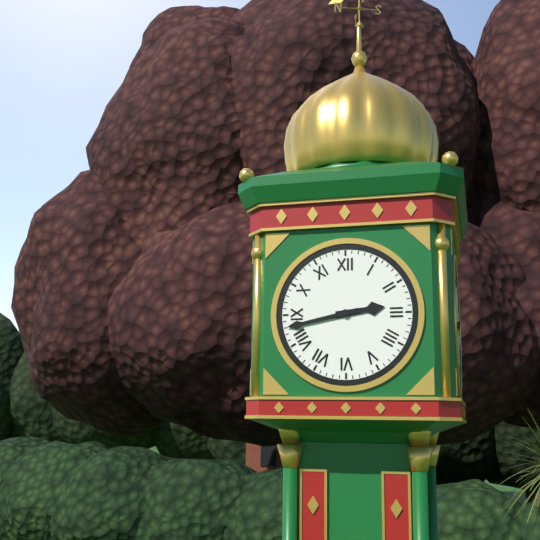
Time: h=2 m=43
